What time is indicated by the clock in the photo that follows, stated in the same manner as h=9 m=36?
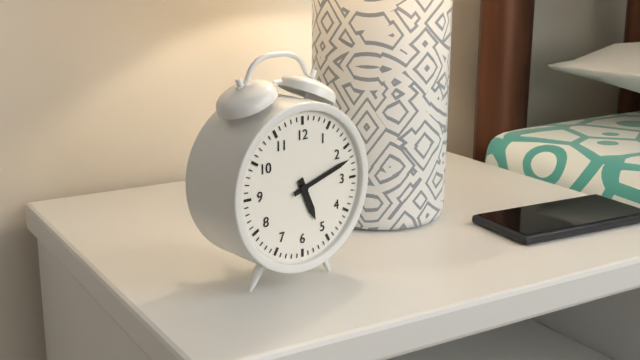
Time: h=5 m=12
